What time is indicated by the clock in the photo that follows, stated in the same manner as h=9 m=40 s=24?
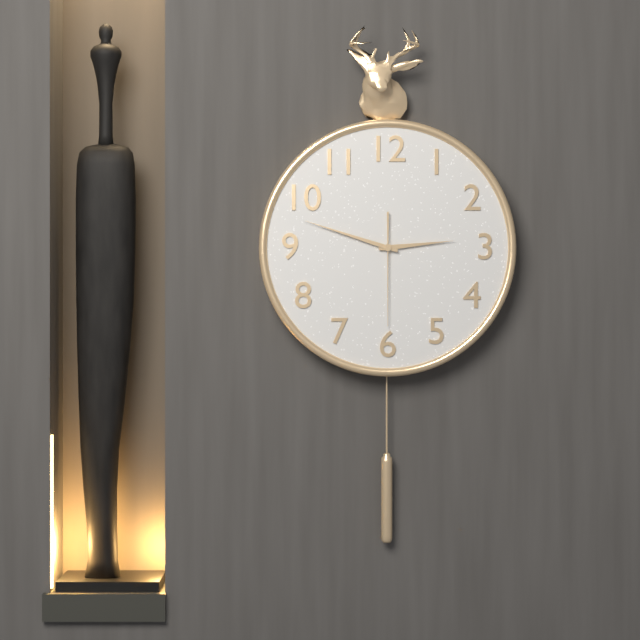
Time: h=2 m=48 s=30
